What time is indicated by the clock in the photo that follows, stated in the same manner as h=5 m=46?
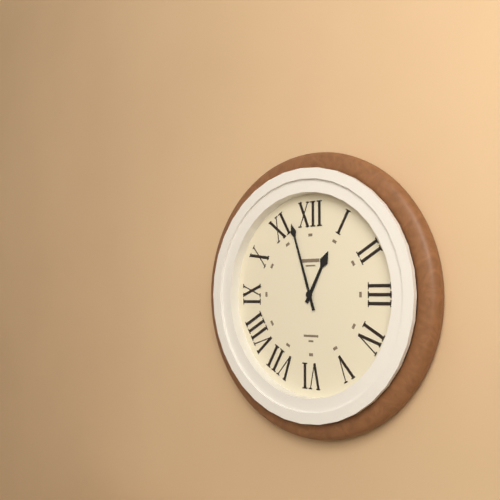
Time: h=12 m=57
